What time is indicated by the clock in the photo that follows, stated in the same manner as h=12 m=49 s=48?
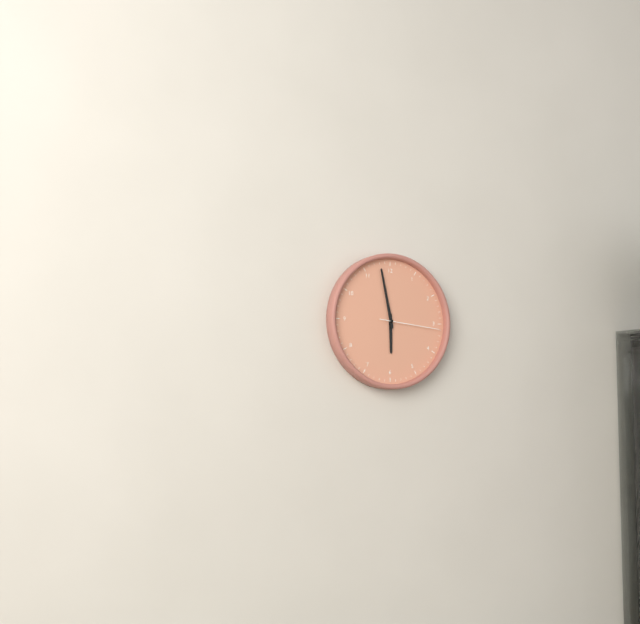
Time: h=5 m=58 s=16
